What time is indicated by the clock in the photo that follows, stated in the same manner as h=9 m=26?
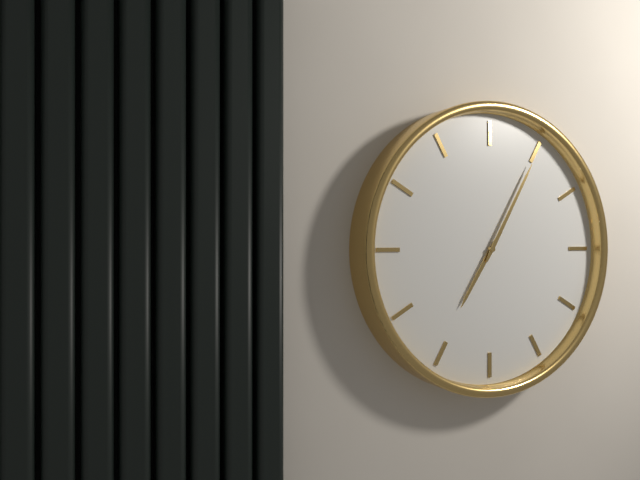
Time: h=7 m=5
